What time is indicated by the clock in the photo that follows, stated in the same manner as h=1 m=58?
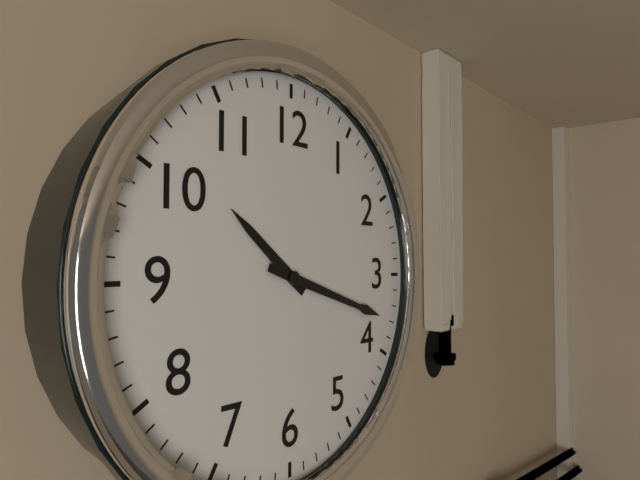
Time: h=10 m=18
